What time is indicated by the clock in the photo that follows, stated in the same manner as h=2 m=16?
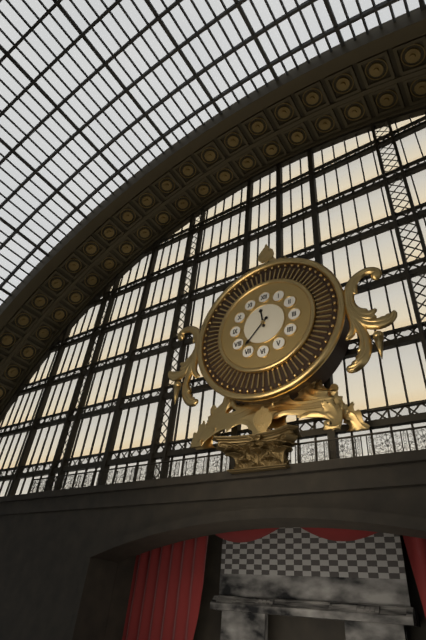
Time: h=11 m=37
